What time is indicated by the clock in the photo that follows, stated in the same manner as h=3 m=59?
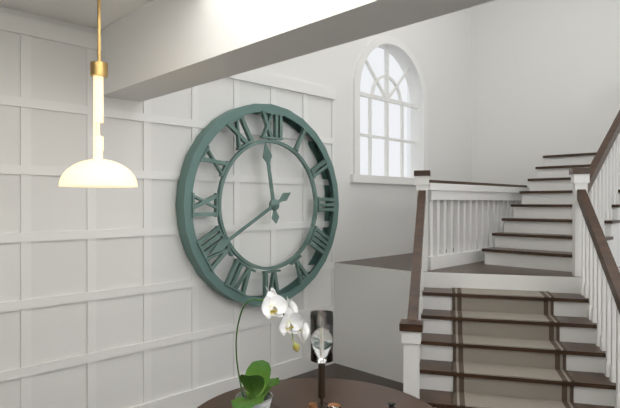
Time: h=11 m=40
